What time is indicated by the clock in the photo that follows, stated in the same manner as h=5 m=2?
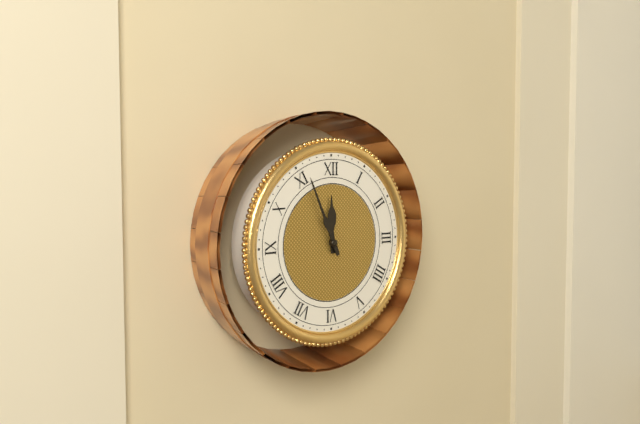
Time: h=11 m=56
